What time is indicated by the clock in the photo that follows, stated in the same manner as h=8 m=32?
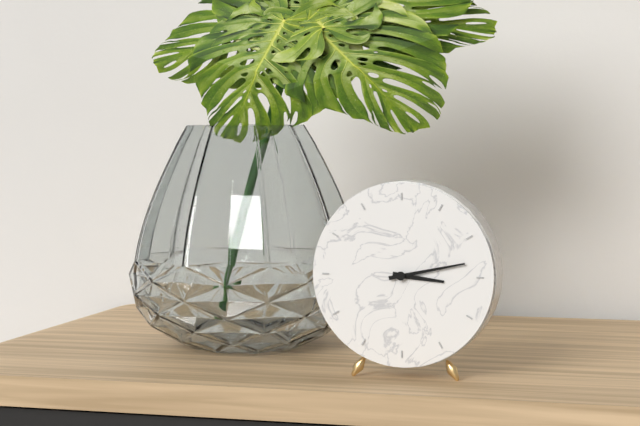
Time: h=3 m=13
